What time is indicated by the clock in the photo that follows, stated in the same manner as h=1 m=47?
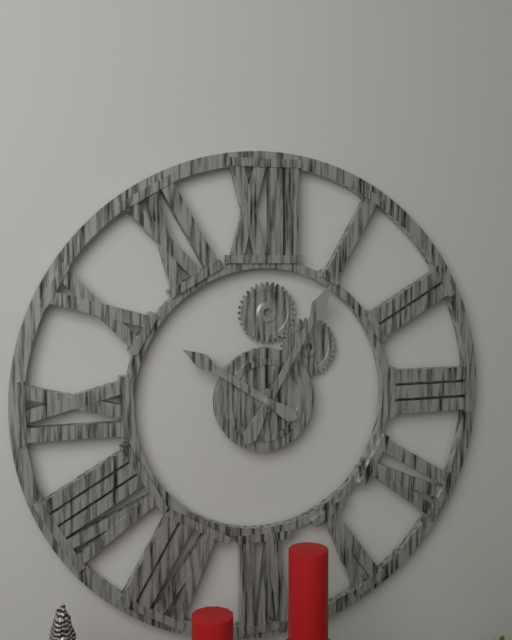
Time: h=10 m=5
